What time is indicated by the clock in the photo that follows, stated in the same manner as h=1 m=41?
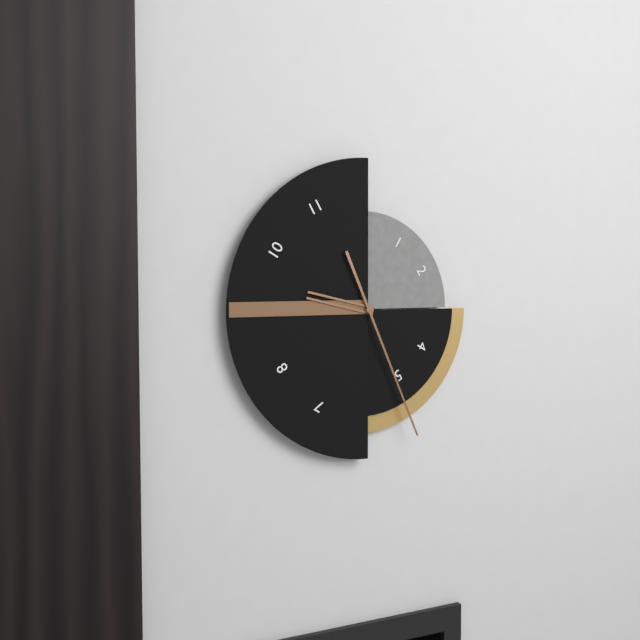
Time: h=9 m=26
